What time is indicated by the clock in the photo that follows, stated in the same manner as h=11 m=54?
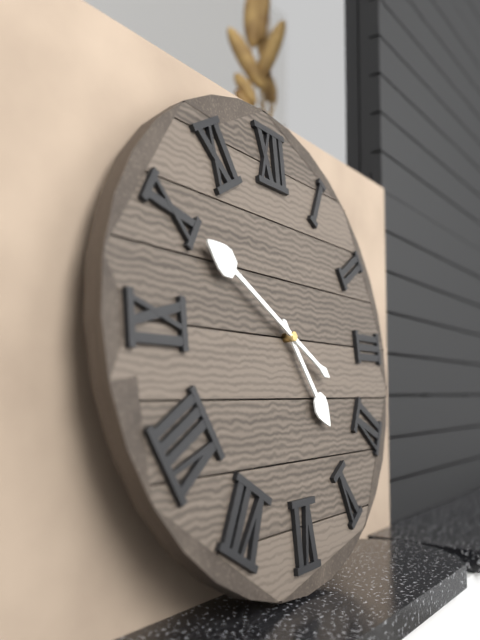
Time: h=4 m=50
